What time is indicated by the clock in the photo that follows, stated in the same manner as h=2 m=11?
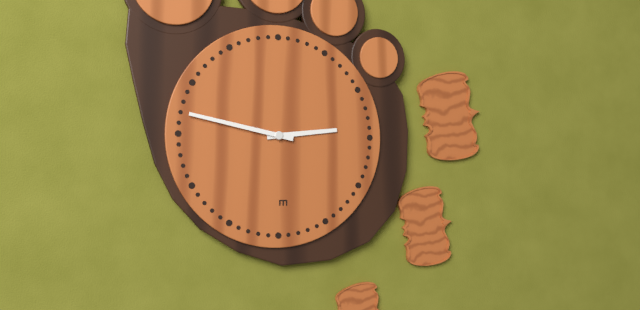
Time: h=2 m=47
